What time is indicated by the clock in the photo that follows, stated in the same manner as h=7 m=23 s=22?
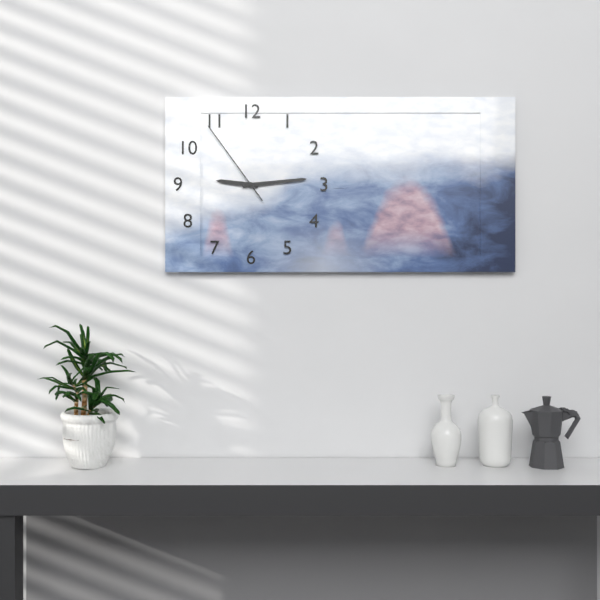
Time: h=9 m=14 s=54
